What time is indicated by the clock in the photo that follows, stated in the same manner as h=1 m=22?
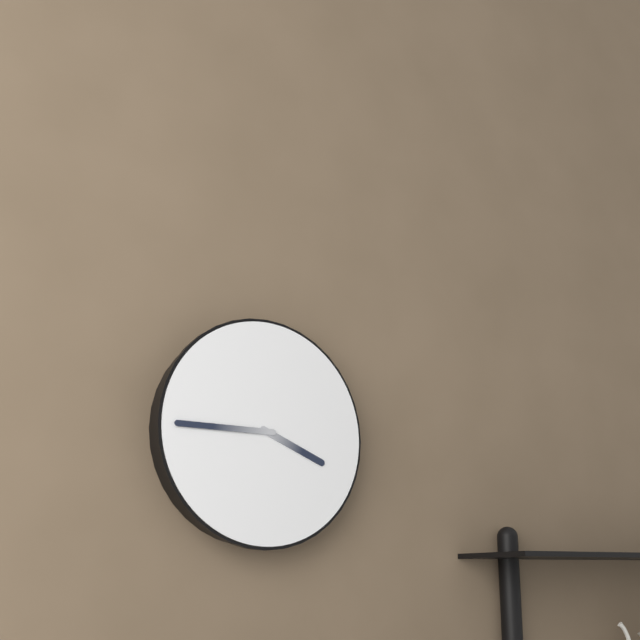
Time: h=3 m=45
